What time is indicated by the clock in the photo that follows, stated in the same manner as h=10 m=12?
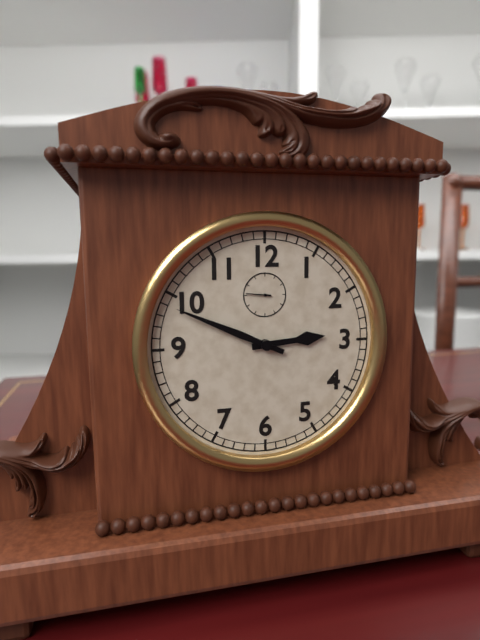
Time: h=2 m=49
